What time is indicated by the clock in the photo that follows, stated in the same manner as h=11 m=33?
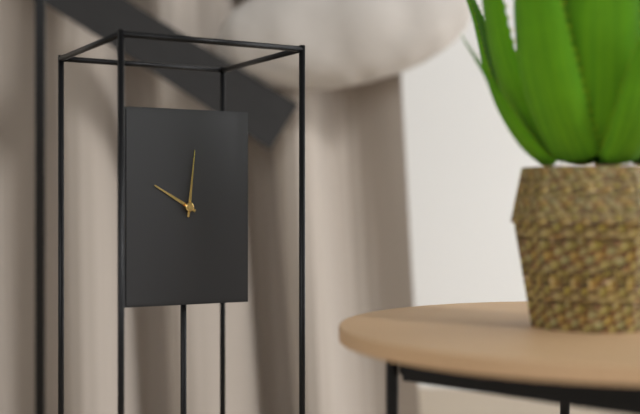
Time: h=10 m=1
